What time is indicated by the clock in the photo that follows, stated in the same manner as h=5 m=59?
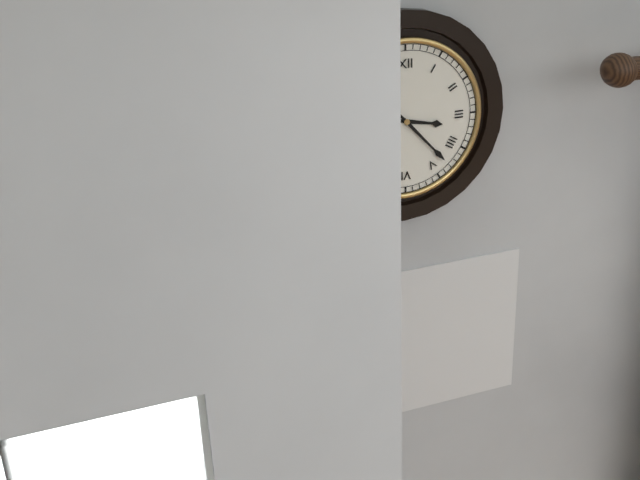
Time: h=3 m=23
